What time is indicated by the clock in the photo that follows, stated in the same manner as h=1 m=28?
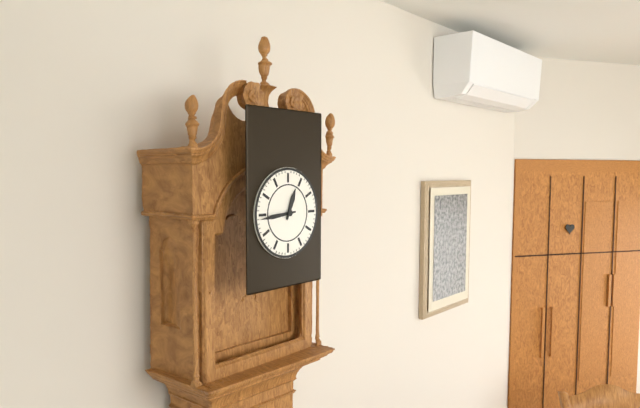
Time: h=12 m=44
